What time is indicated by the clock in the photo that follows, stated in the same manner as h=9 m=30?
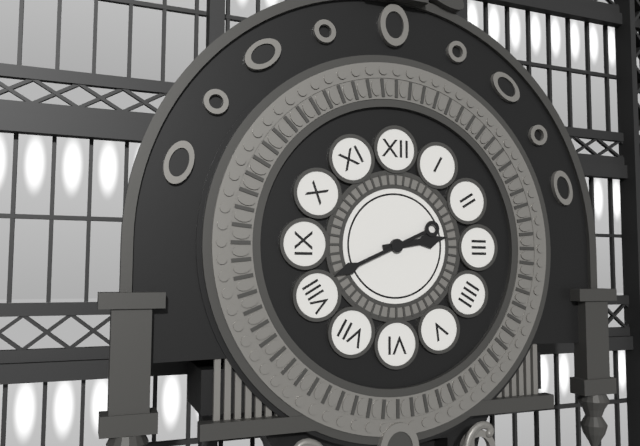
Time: h=2 m=41
